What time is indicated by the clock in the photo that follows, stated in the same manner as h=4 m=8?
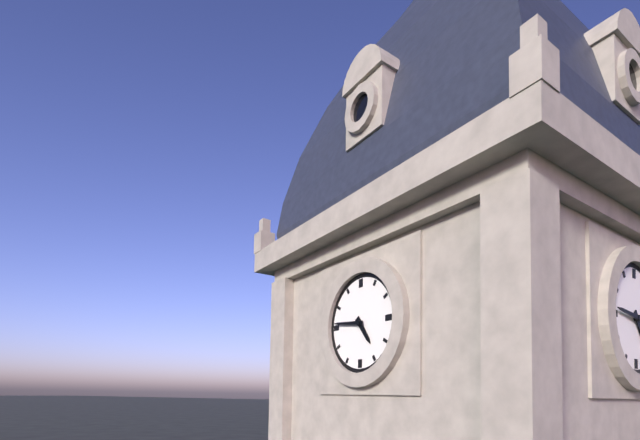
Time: h=4 m=46
